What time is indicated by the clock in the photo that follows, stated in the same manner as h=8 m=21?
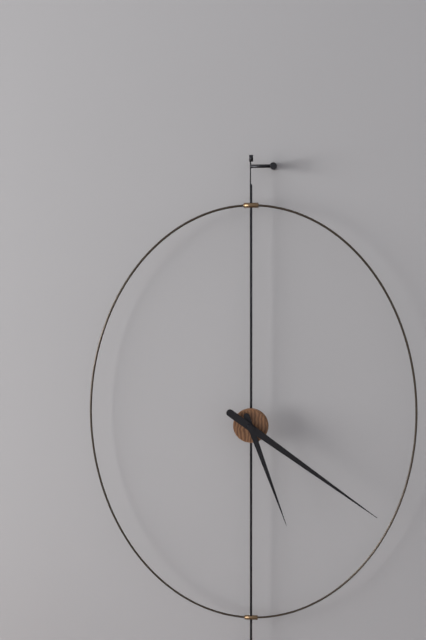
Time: h=5 m=21
